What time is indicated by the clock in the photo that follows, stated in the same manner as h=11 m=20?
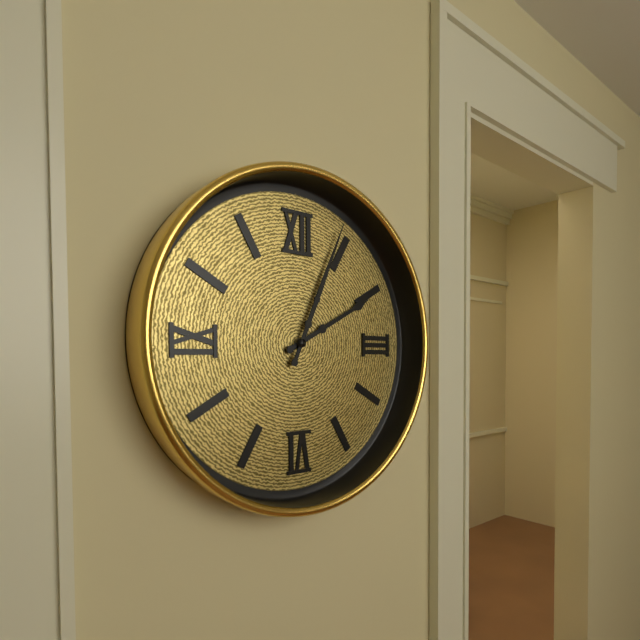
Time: h=2 m=4
